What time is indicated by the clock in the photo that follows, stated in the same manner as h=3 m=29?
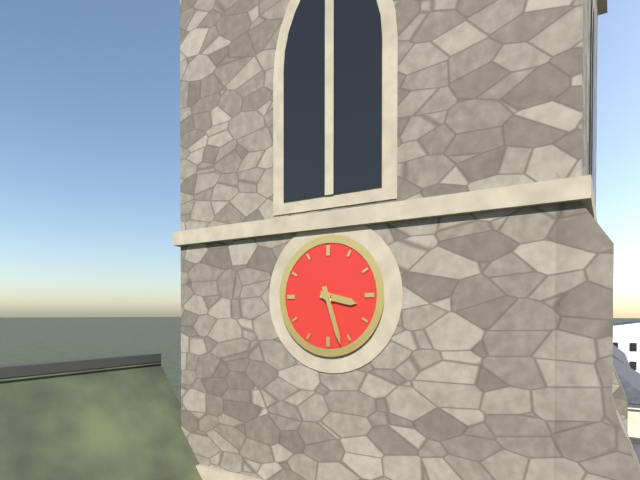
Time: h=3 m=27
